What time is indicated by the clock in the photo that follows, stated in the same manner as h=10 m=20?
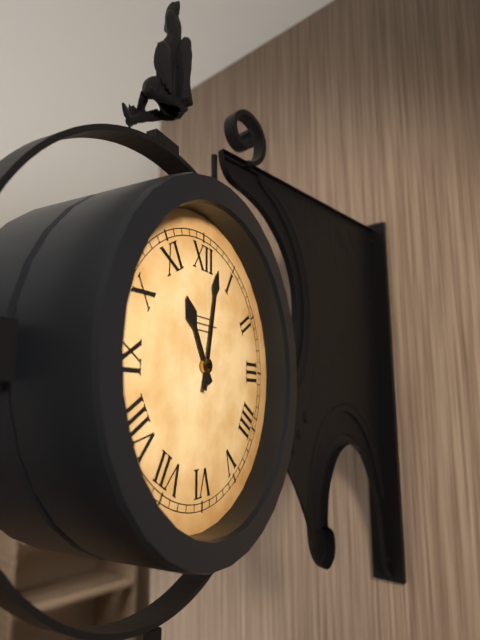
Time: h=11 m=2
